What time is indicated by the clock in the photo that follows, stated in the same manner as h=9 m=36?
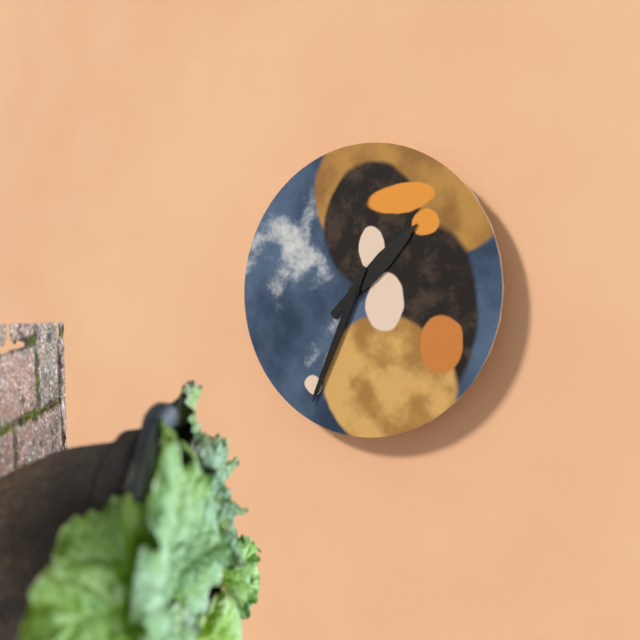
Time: h=1 m=34
